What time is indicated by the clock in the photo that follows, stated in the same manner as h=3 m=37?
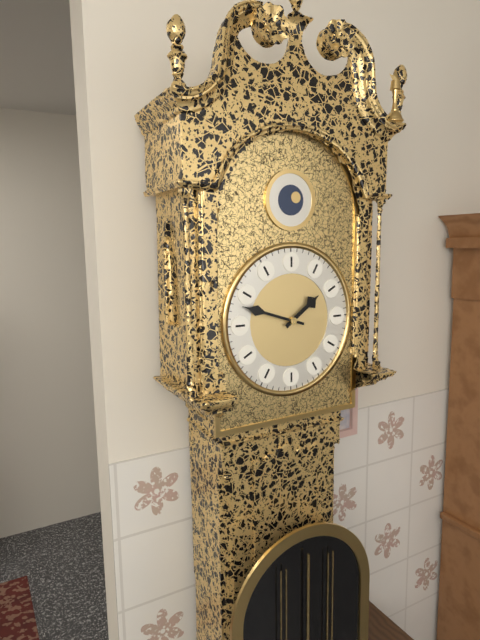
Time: h=1 m=48
